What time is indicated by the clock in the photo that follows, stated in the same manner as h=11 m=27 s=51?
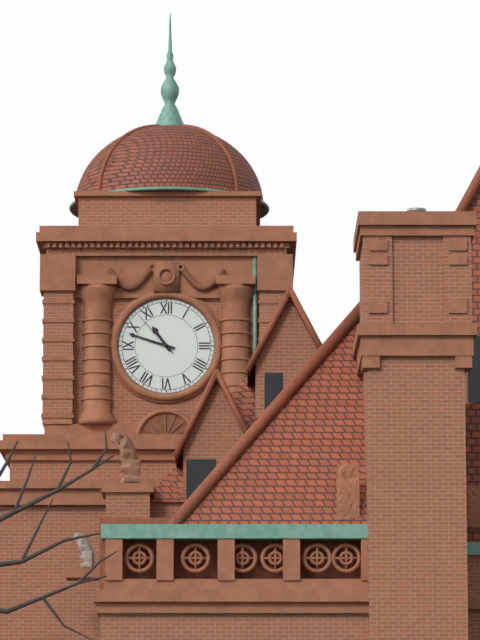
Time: h=10 m=48 s=53
